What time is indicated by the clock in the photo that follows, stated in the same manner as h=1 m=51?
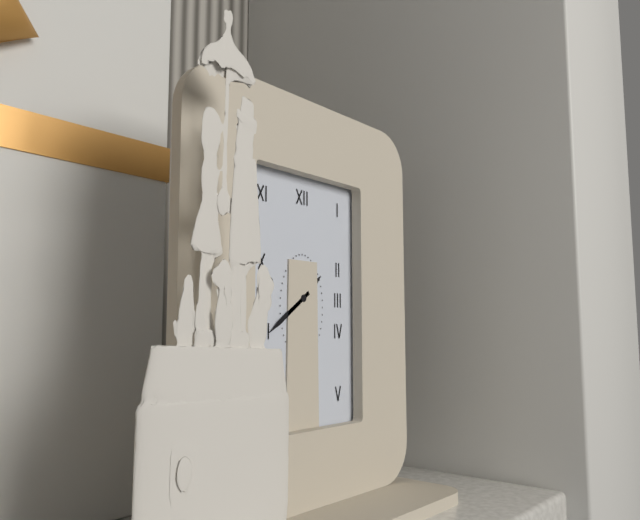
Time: h=1 m=39
